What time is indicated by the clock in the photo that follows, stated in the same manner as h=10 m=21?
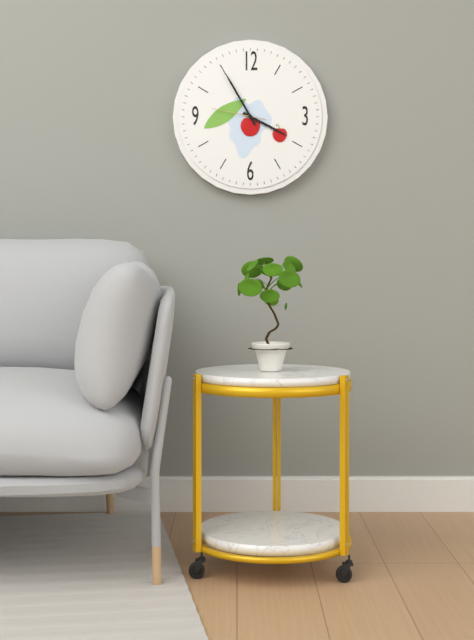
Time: h=3 m=55
